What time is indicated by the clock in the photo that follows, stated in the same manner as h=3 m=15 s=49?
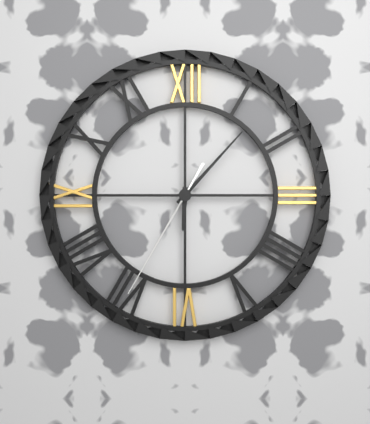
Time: h=6 m=7 s=35
